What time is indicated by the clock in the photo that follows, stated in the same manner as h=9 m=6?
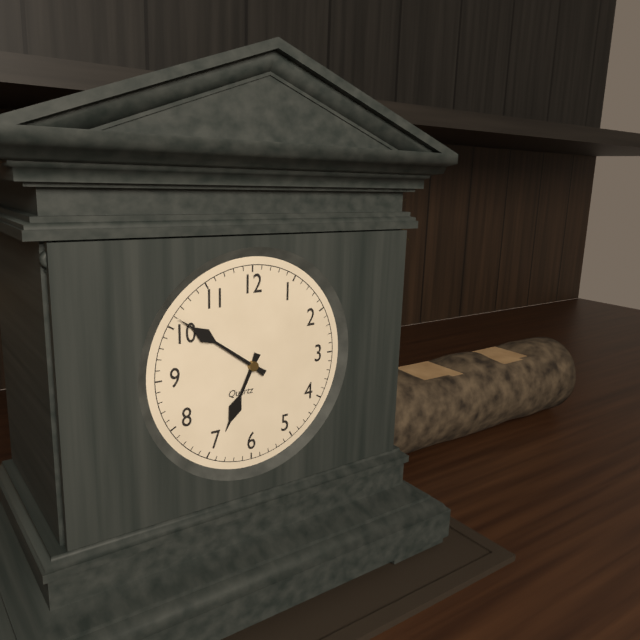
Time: h=6 m=51
